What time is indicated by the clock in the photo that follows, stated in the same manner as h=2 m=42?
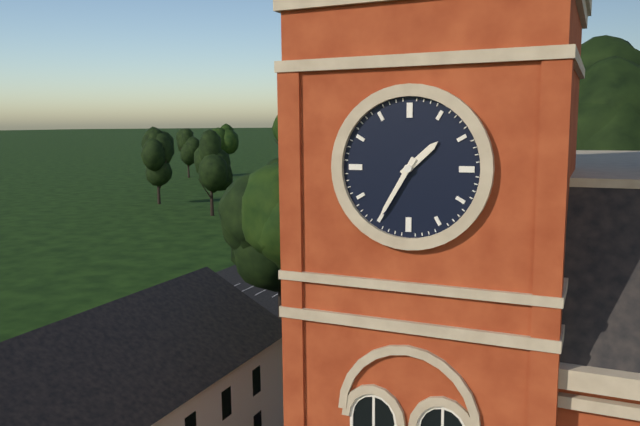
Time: h=1 m=35
